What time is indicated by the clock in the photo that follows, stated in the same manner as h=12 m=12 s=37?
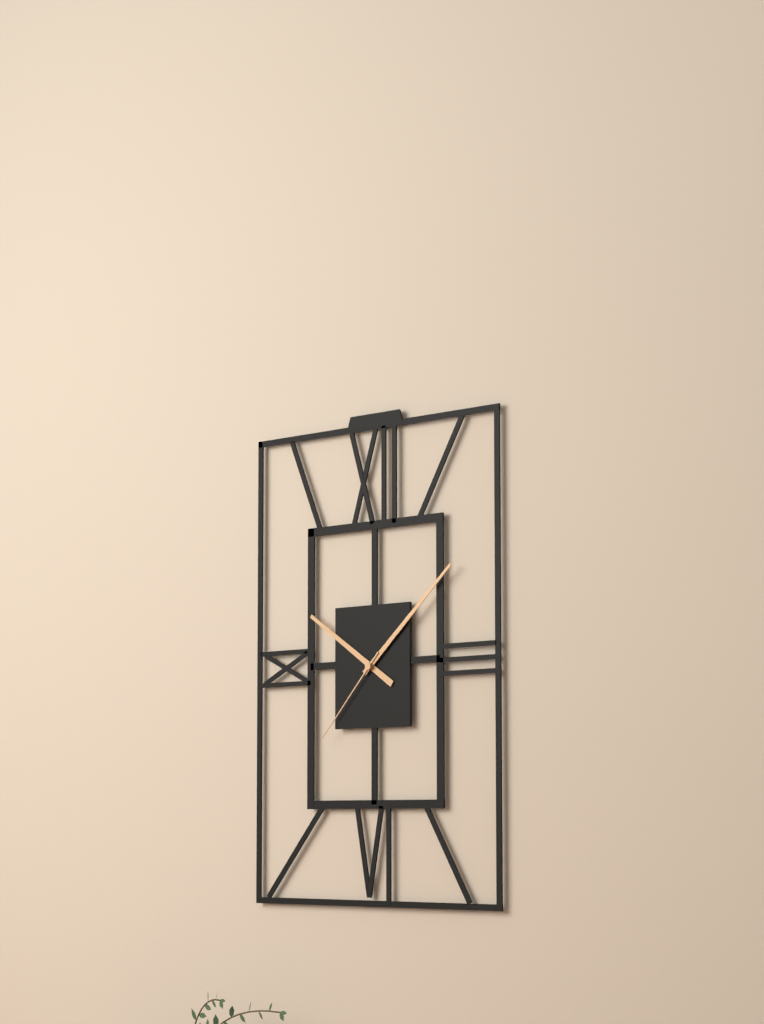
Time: h=10 m=8 s=37
